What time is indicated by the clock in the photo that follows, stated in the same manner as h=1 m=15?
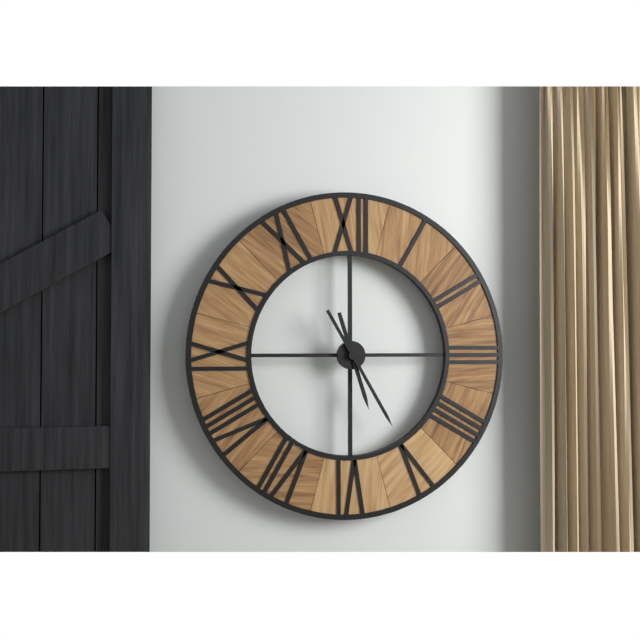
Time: h=5 m=25
